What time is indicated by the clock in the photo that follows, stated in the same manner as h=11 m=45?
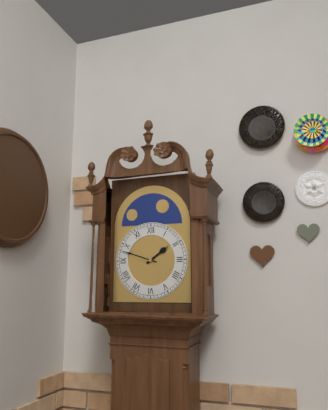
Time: h=1 m=48
